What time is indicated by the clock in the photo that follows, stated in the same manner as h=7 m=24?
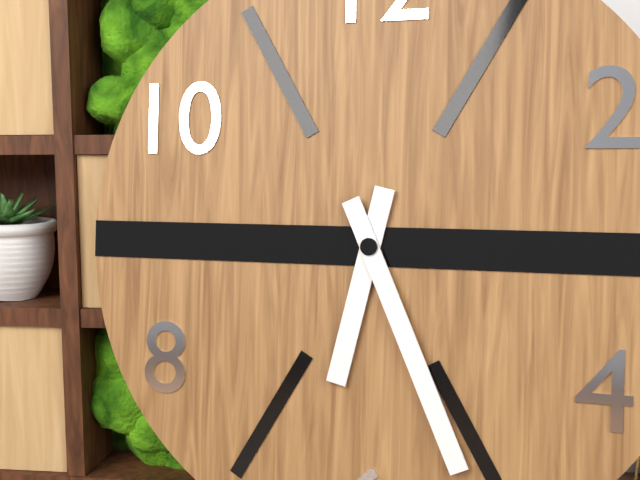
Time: h=6 m=26
